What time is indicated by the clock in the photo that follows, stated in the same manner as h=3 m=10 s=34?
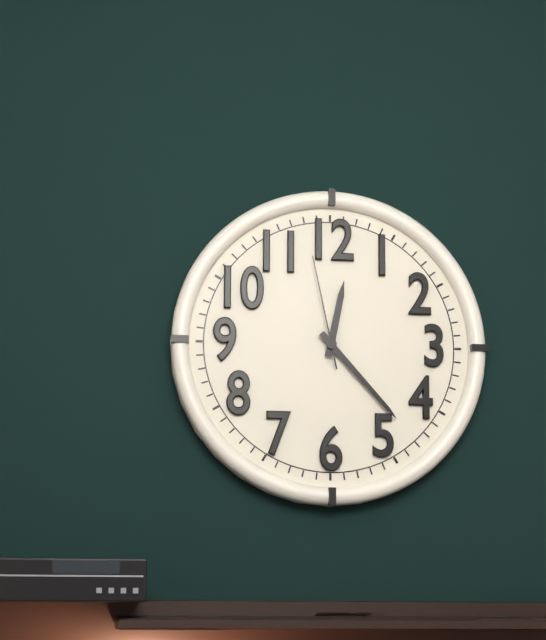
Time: h=12 m=23 s=58
